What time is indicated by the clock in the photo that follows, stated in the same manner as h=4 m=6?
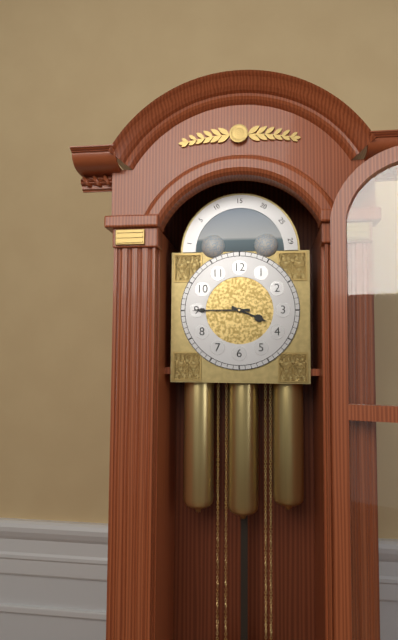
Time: h=3 m=45
